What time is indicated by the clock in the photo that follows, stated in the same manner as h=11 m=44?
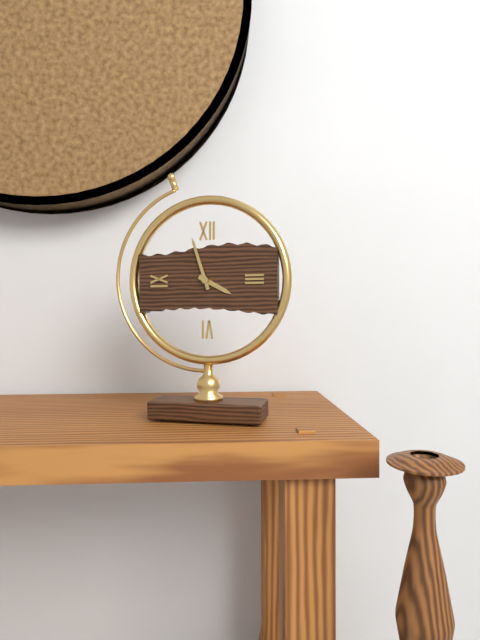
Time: h=3 m=57
